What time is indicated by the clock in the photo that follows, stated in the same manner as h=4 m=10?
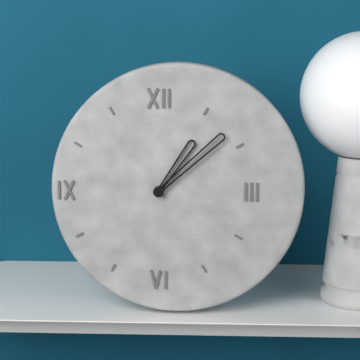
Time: h=1 m=8
